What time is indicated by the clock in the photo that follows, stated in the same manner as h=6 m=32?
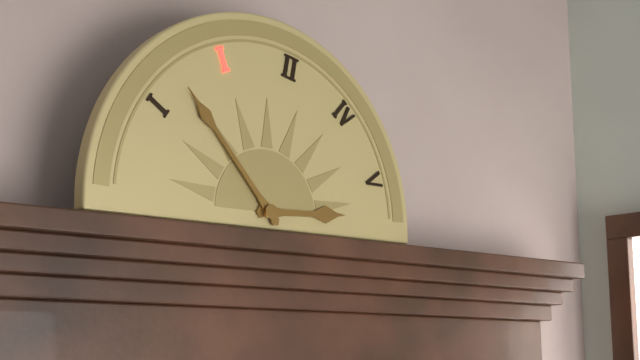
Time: h=2 m=53
